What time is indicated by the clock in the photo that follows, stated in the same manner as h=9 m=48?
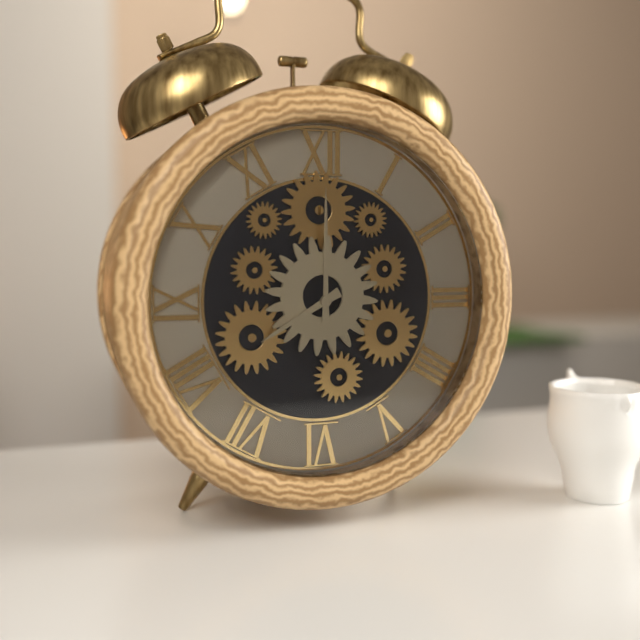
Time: h=8 m=0
